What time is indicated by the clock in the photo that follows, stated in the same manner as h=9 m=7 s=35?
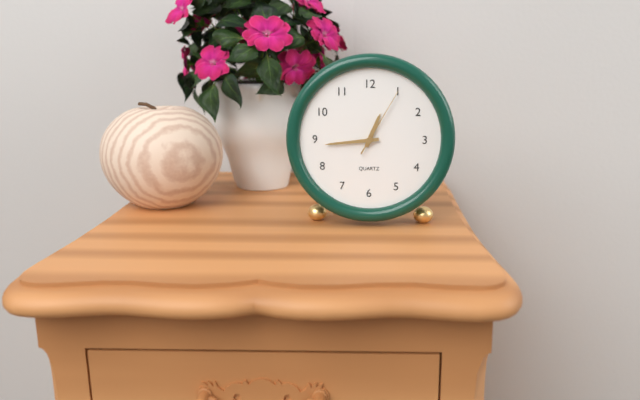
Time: h=12 m=44 s=5
